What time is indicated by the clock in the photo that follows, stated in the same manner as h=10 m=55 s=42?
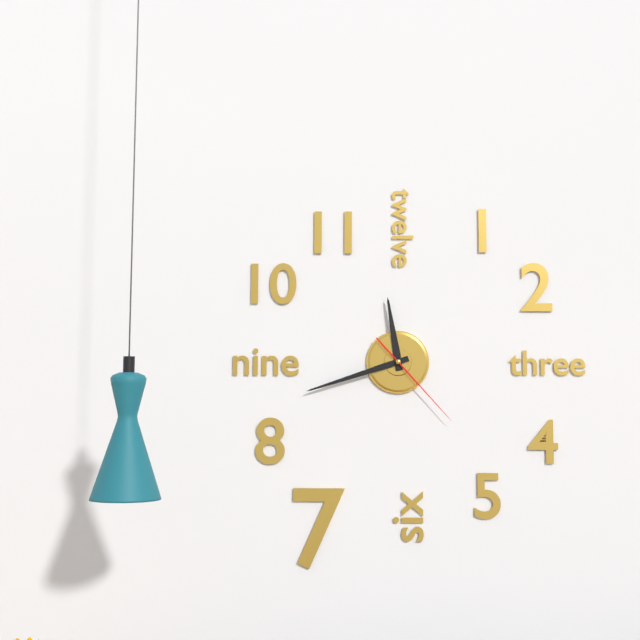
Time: h=11 m=42 s=23
